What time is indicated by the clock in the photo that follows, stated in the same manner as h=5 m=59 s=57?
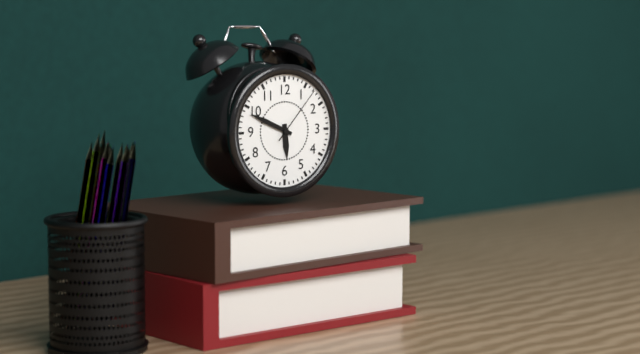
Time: h=5 m=49 s=7
